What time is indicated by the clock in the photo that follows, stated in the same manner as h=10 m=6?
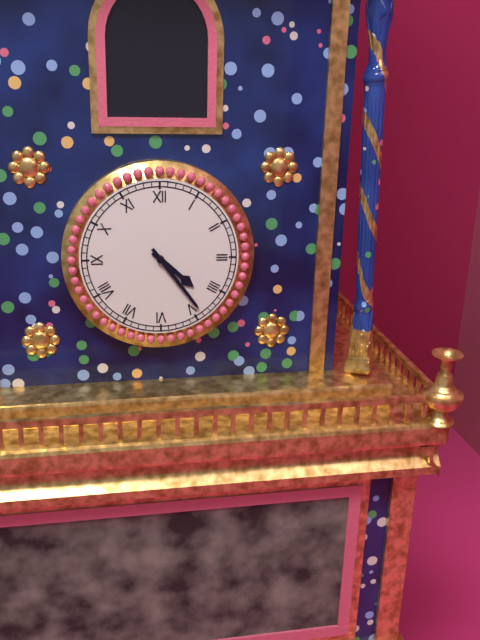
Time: h=4 m=24
